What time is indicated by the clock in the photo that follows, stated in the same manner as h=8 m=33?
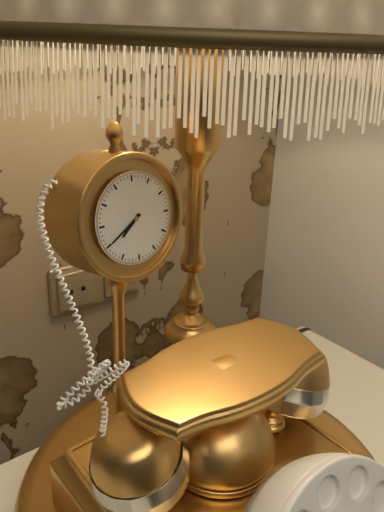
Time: h=7 m=40
